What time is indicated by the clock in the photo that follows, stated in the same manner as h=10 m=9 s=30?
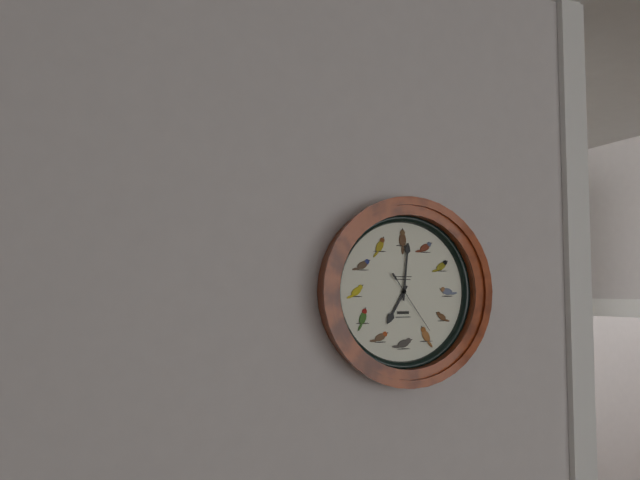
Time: h=7 m=1 s=24
